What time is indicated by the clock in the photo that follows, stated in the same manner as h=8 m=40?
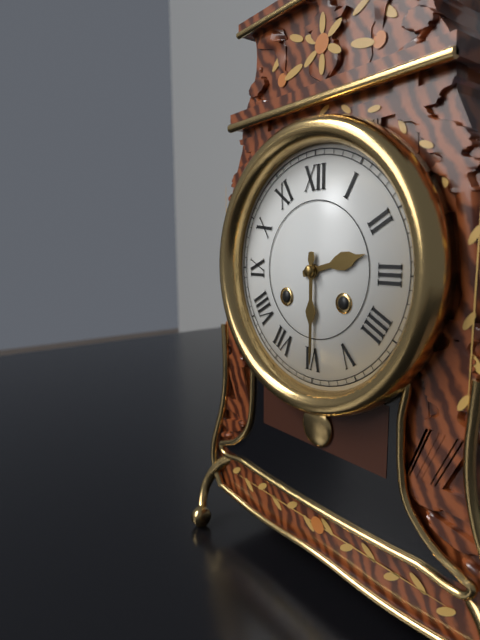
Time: h=2 m=30
